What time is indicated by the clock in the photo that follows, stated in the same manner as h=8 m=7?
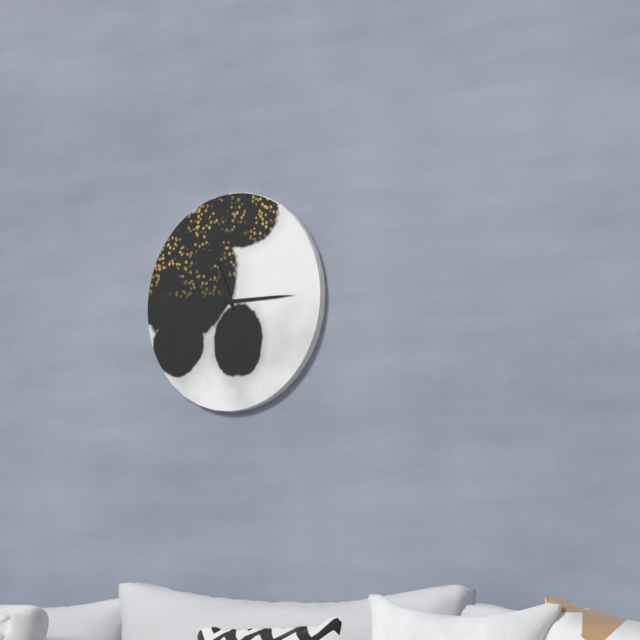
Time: h=11 m=15
